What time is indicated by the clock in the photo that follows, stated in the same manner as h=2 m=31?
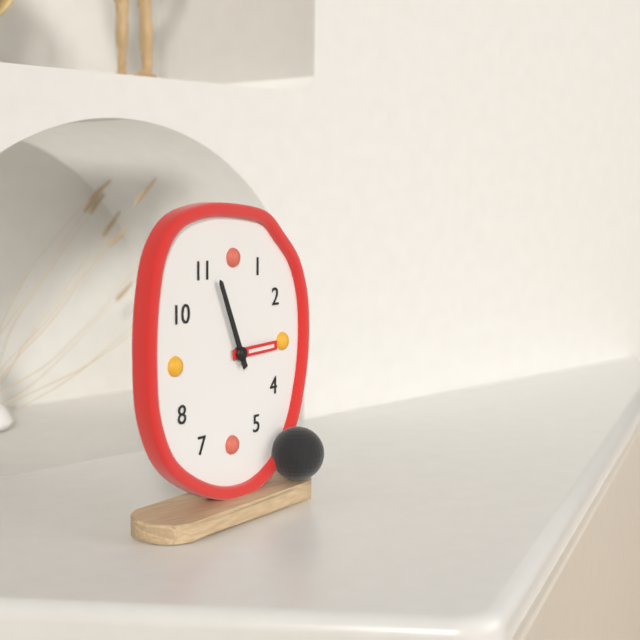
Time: h=2 m=56
